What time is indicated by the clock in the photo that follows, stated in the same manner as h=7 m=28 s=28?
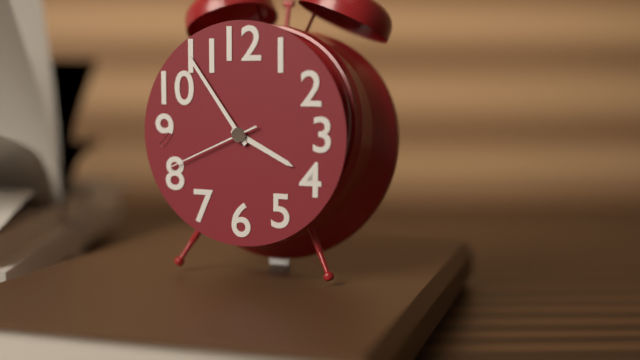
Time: h=3 m=54 s=41
